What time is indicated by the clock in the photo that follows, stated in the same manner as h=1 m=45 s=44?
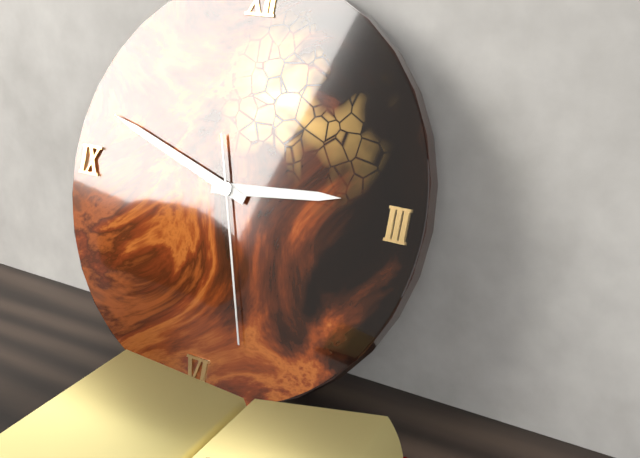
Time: h=2 m=48 s=27
